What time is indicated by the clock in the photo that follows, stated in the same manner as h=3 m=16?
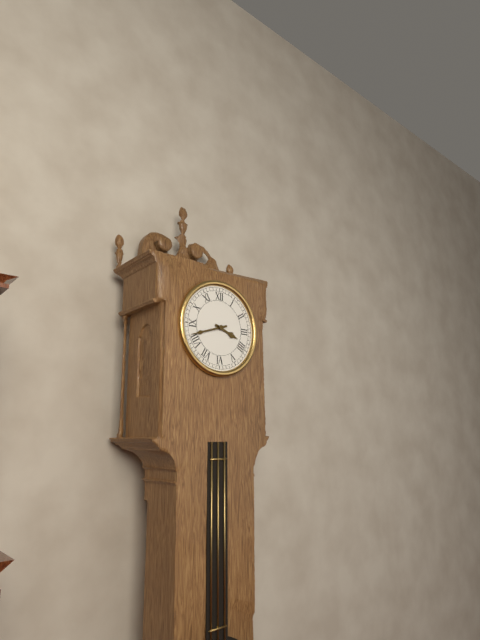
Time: h=3 m=42
